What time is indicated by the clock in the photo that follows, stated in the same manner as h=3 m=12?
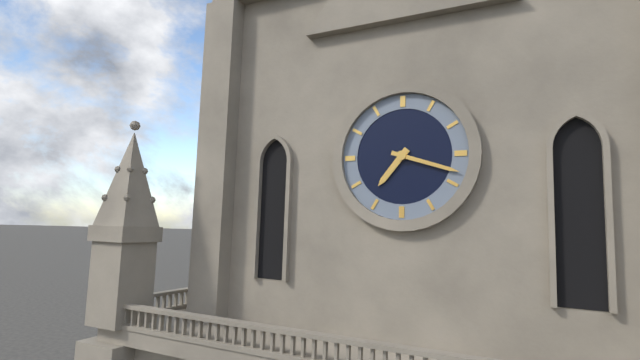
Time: h=7 m=18
